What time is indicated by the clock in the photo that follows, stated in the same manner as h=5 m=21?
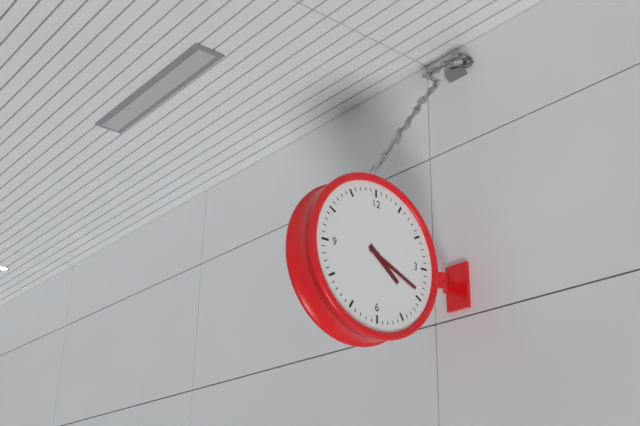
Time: h=4 m=19
